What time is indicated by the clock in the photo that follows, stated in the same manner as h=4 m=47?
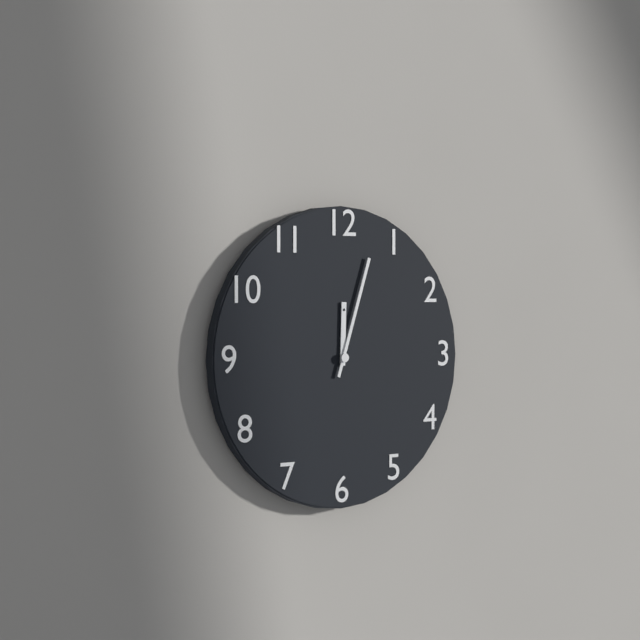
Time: h=12 m=3
